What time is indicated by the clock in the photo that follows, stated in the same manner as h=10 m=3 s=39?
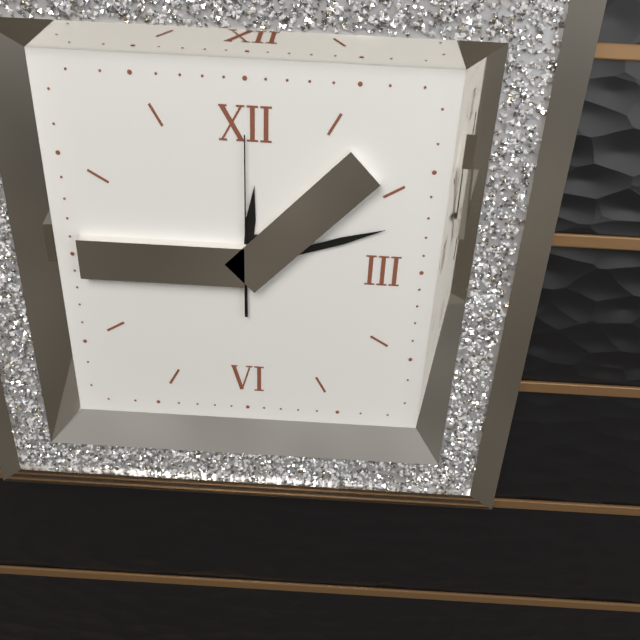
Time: h=12 m=12 s=0
